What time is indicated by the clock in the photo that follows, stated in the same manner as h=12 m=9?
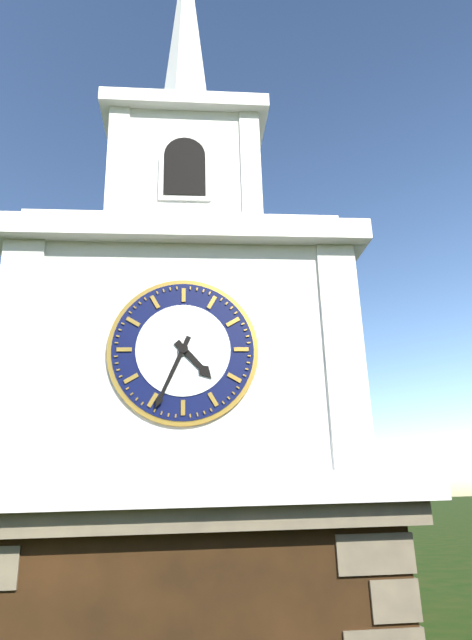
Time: h=4 m=34
